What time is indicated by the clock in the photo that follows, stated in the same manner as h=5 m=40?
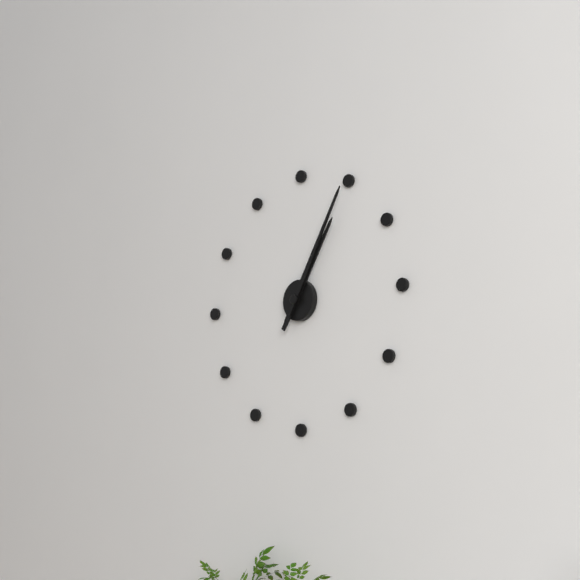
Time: h=1 m=5
